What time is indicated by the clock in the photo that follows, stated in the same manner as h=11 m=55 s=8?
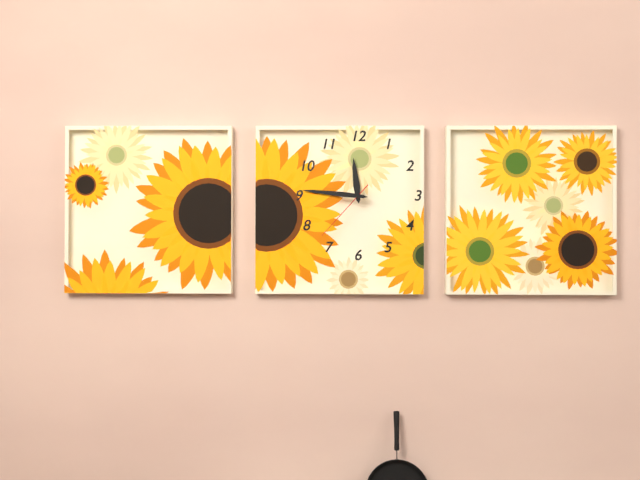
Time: h=11 m=46 s=37
